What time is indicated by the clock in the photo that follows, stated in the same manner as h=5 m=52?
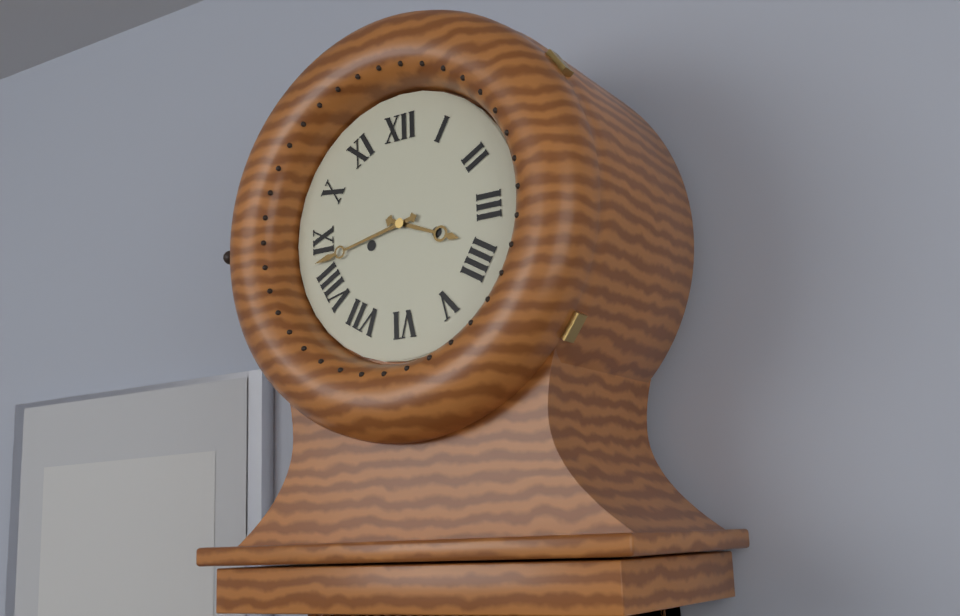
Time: h=3 m=43
